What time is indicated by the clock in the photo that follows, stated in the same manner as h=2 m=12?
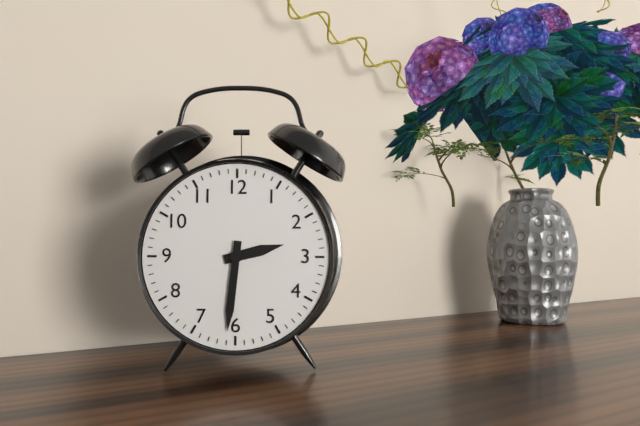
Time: h=2 m=31
